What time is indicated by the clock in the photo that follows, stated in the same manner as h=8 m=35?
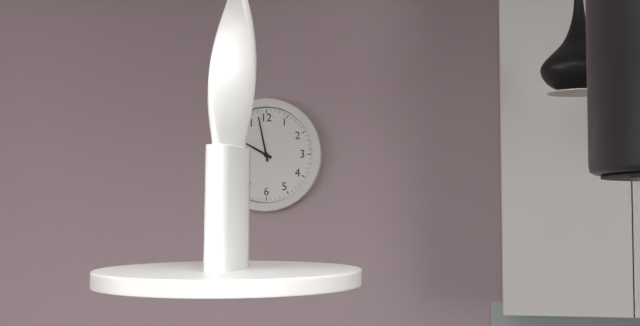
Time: h=9 m=58
